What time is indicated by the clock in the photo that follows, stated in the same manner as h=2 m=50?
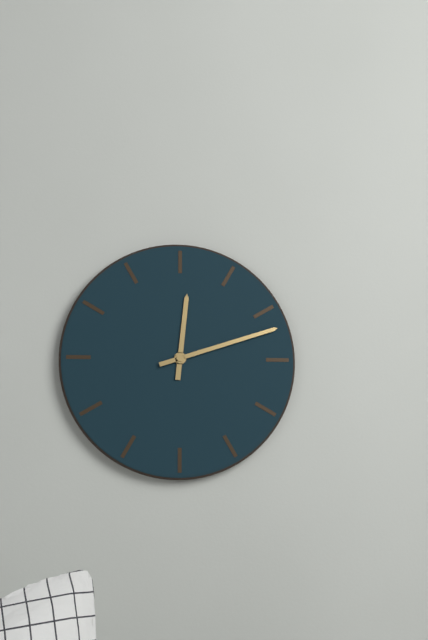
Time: h=12 m=12
